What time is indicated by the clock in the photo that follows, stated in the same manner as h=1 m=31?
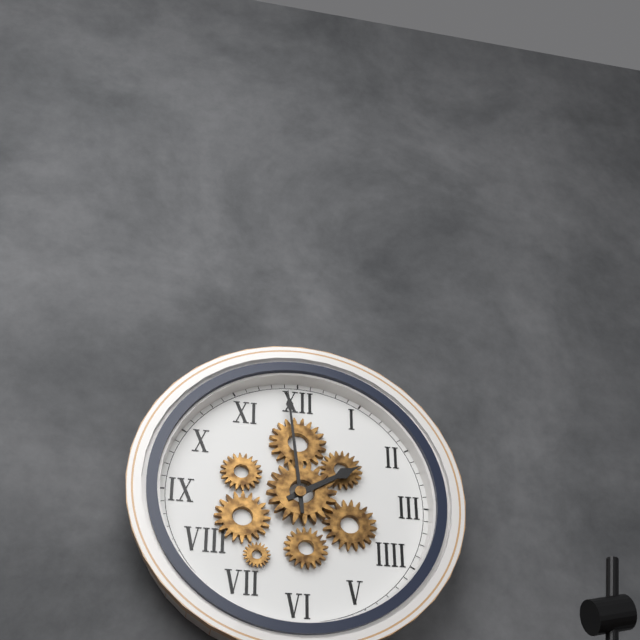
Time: h=1 m=59
